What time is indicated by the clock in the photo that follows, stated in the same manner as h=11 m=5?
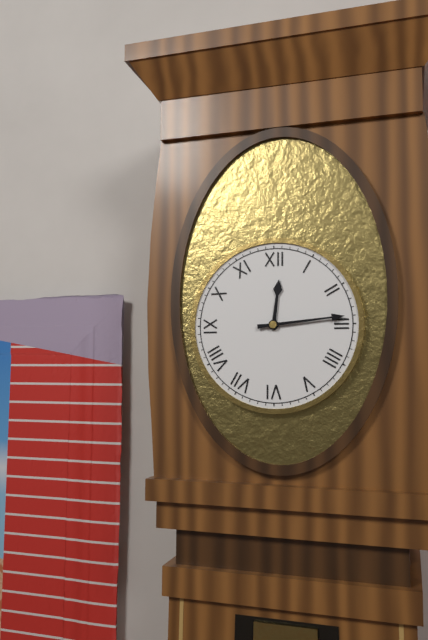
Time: h=12 m=14
